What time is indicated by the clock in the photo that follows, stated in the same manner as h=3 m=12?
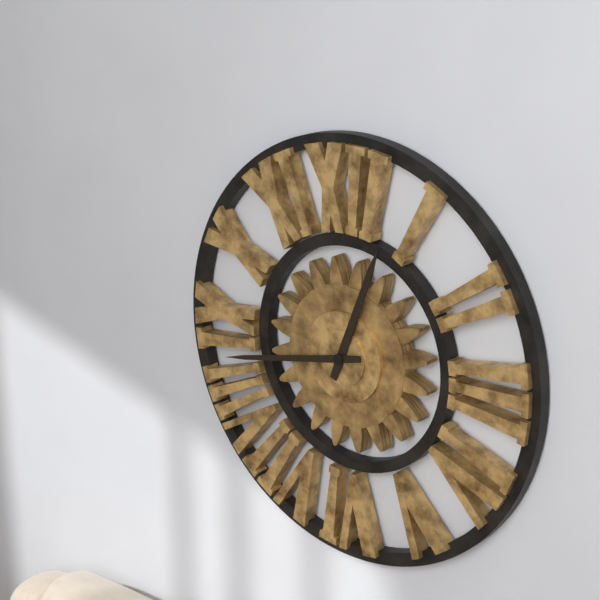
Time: h=12 m=43
